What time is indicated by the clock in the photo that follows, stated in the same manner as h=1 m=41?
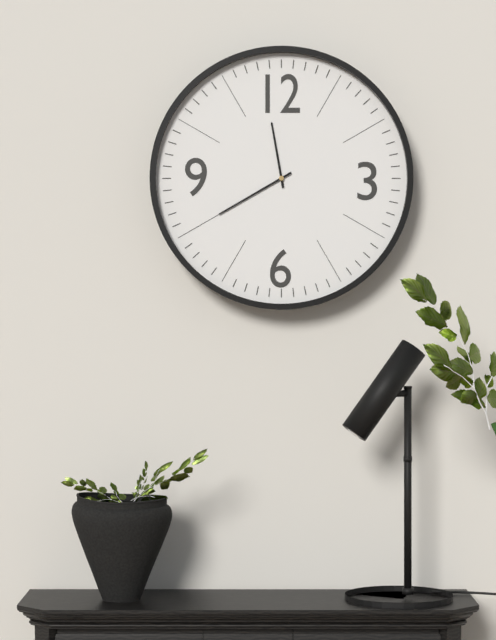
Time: h=11 m=40
